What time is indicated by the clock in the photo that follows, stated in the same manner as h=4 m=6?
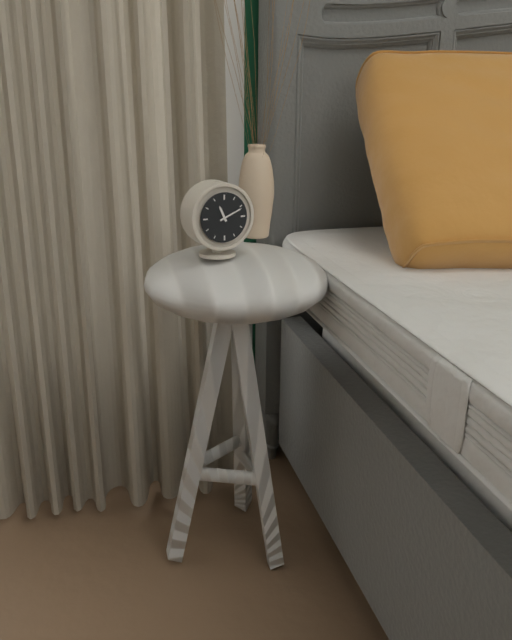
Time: h=11 m=11
